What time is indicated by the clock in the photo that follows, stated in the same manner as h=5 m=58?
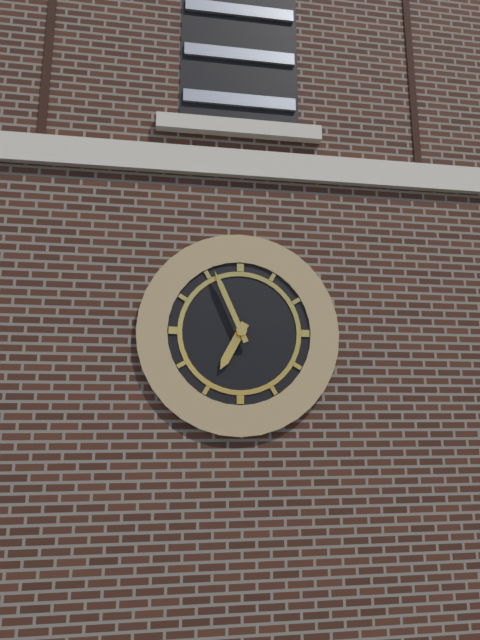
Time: h=6 m=56
